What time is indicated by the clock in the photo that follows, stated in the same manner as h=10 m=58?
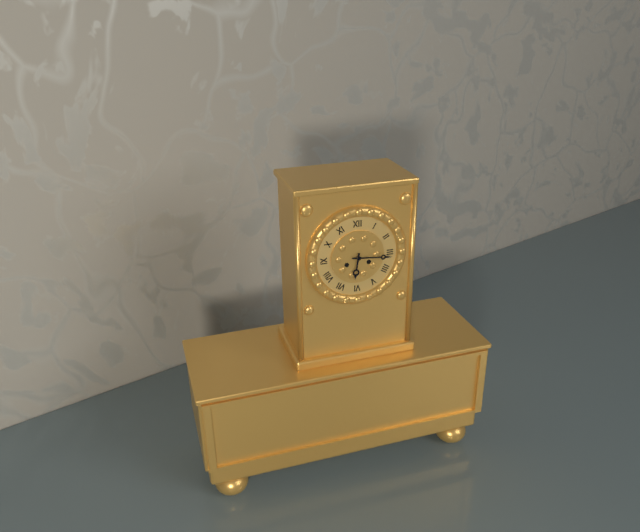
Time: h=6 m=16
